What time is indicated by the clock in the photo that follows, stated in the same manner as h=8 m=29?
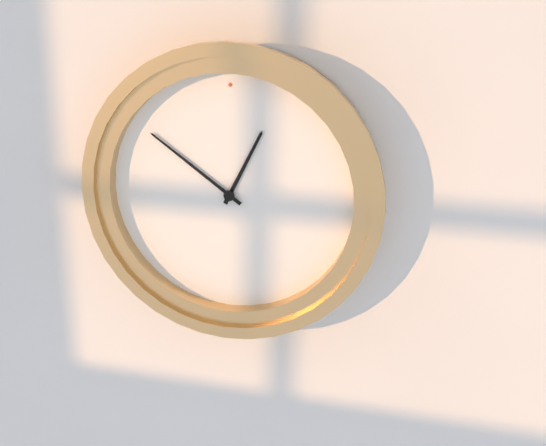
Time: h=12 m=51
